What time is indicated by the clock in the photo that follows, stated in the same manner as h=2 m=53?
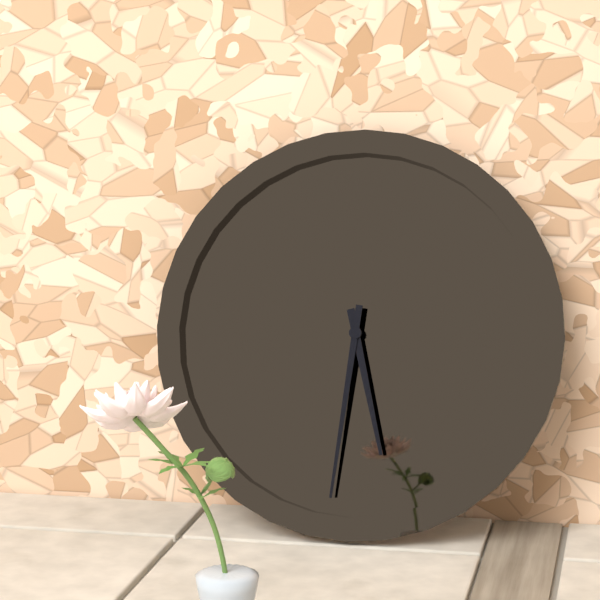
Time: h=5 m=31
